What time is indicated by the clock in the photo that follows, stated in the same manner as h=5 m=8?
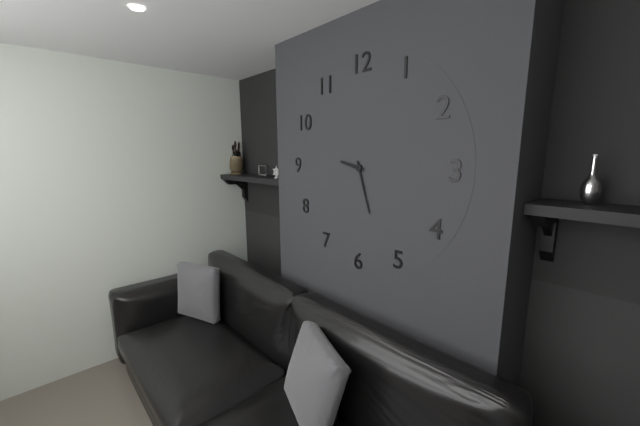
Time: h=9 m=27
